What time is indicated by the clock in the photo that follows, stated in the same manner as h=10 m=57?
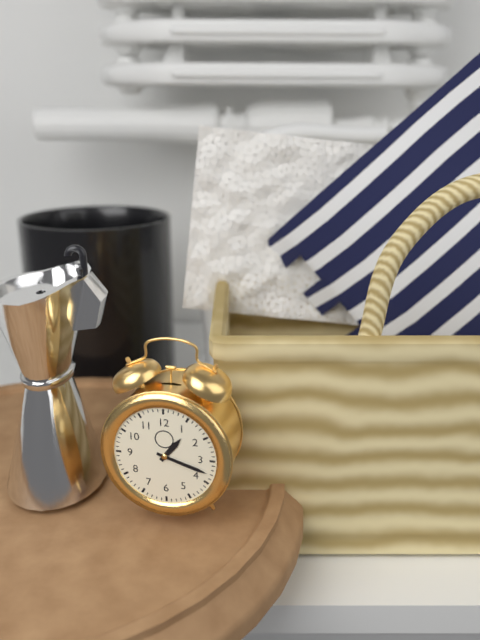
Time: h=1 m=18
